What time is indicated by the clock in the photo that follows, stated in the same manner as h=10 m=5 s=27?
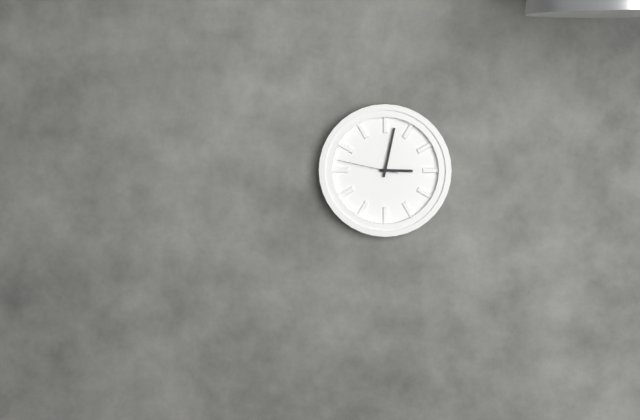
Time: h=3 m=2 s=47
